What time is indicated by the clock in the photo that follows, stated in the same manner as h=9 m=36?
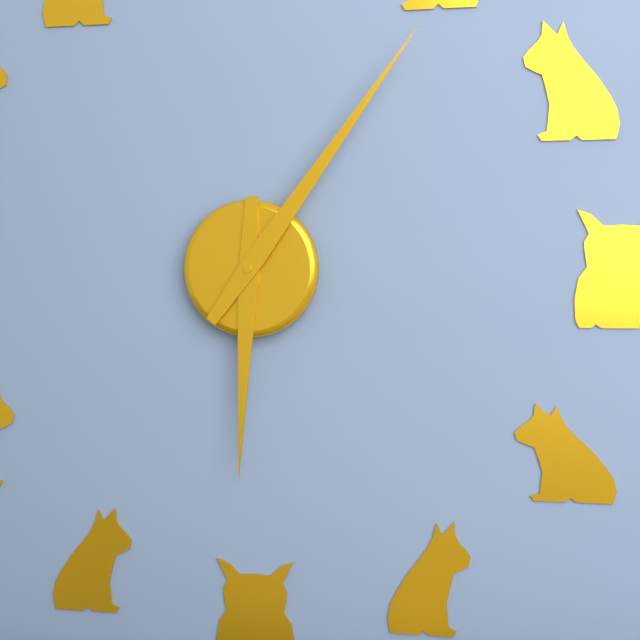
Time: h=6 m=6
